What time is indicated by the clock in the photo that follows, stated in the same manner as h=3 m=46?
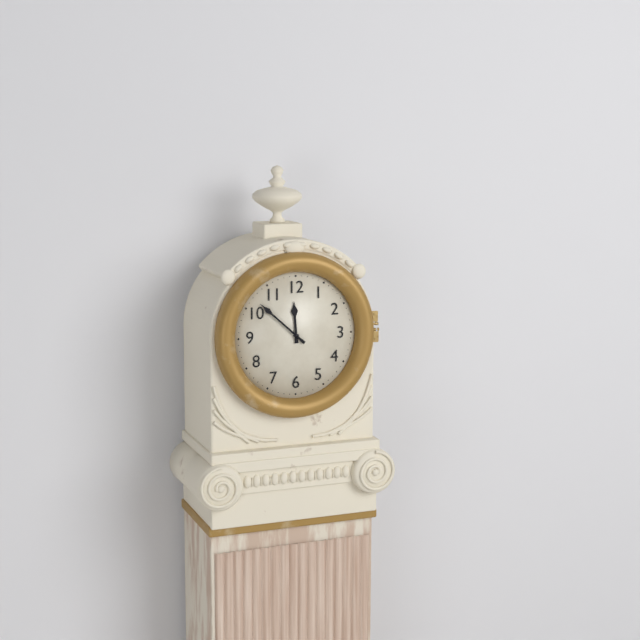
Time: h=11 m=52
